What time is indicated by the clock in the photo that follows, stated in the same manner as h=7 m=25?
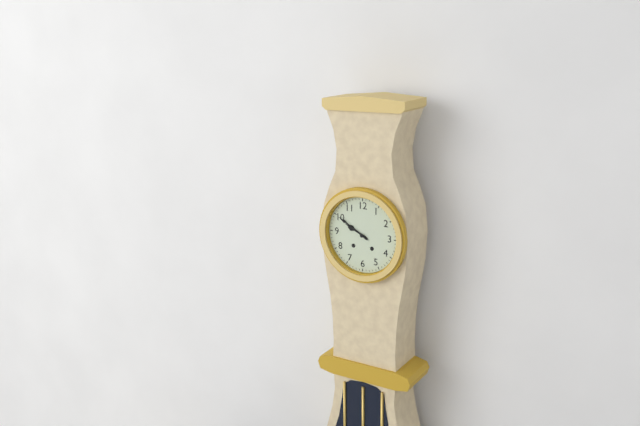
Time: h=9 m=50
